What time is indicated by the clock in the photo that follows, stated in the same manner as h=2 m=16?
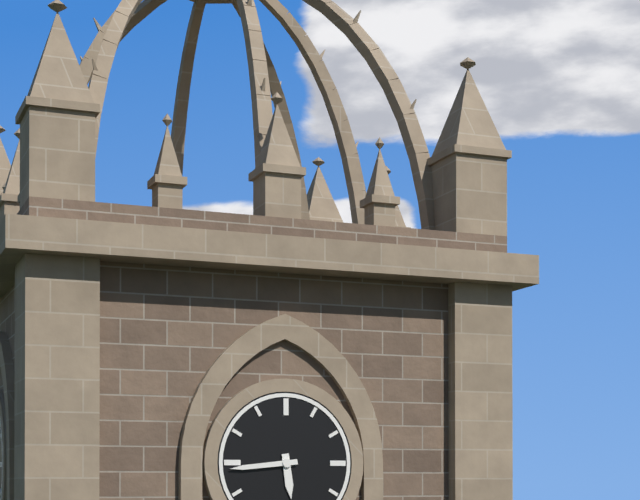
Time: h=5 m=44
